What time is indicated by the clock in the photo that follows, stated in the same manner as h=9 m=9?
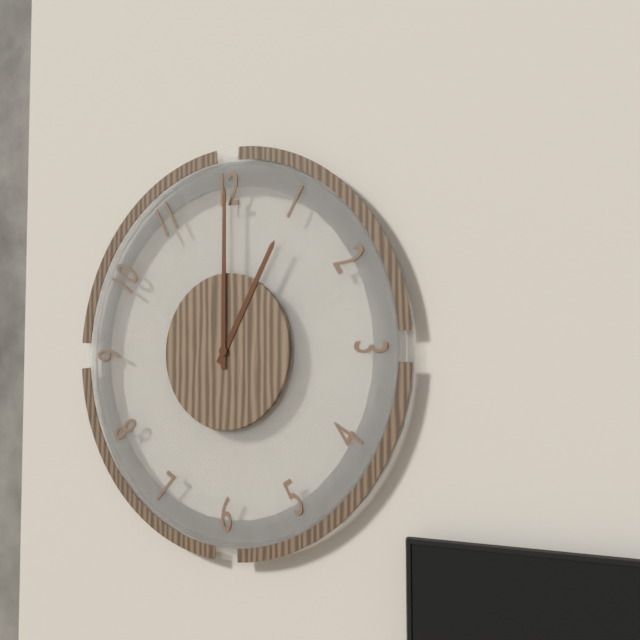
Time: h=1 m=0
